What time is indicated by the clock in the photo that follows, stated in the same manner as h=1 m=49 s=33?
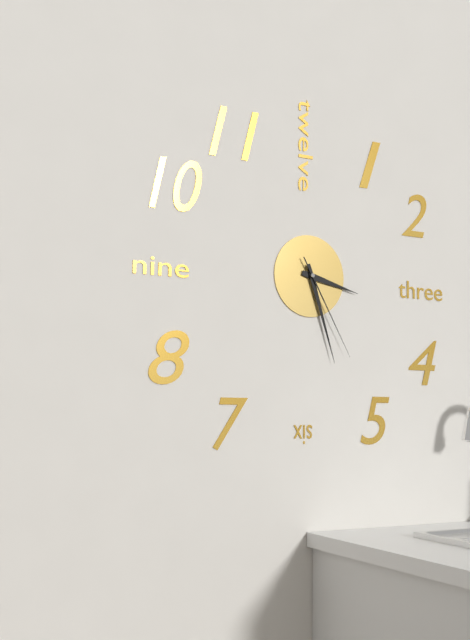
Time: h=3 m=27 s=25
